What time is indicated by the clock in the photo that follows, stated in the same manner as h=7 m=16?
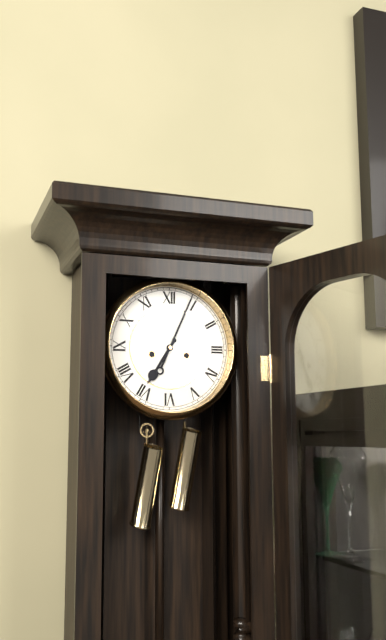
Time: h=7 m=4
